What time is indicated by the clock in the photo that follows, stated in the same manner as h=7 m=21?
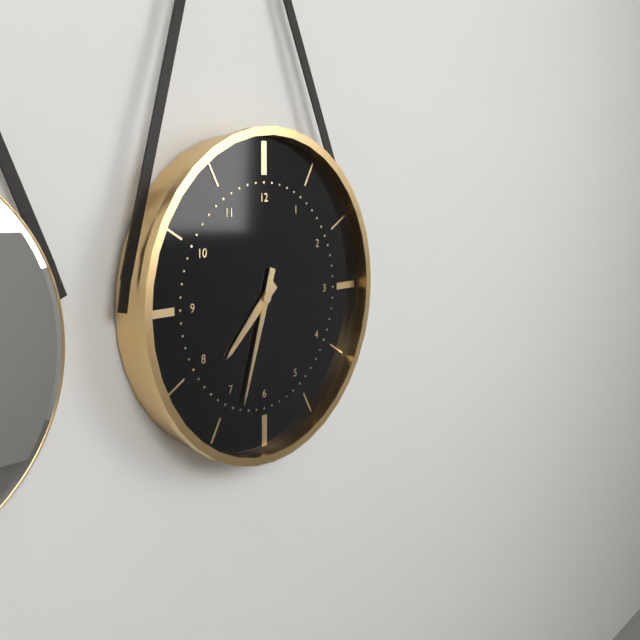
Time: h=7 m=33
